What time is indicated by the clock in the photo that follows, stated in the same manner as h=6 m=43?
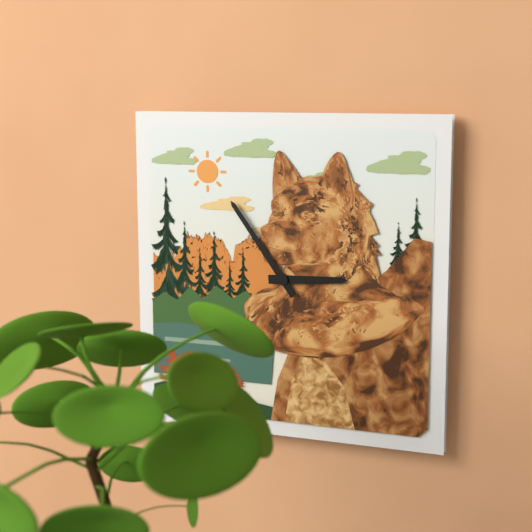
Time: h=2 m=54
